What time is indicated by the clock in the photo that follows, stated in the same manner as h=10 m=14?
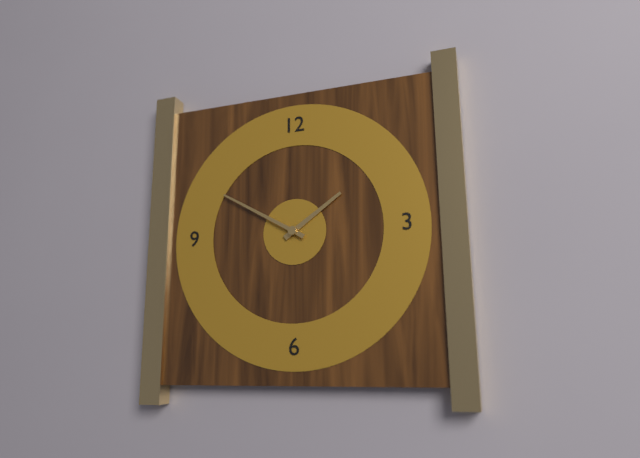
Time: h=1 m=50
